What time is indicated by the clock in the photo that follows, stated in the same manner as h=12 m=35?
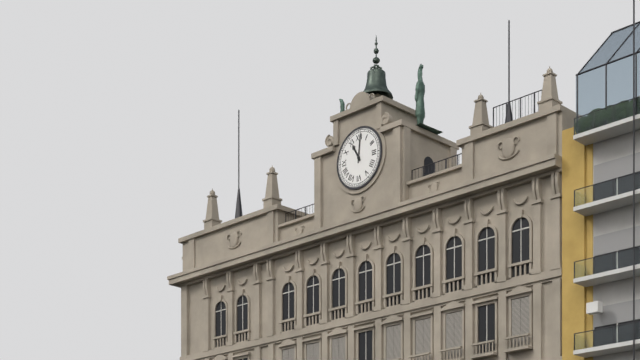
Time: h=11 m=1
